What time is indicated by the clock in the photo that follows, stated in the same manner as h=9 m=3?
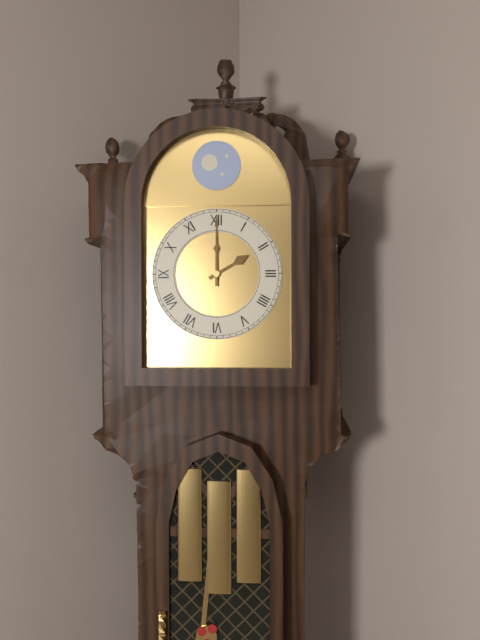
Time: h=2 m=0
